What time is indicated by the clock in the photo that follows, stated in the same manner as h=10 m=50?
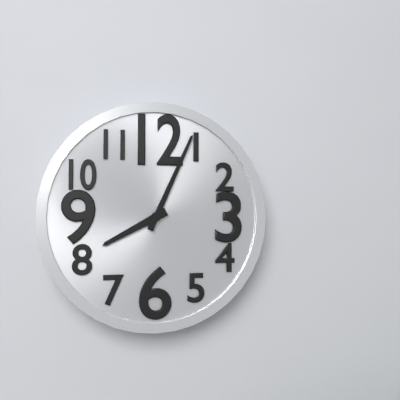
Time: h=8 m=4
